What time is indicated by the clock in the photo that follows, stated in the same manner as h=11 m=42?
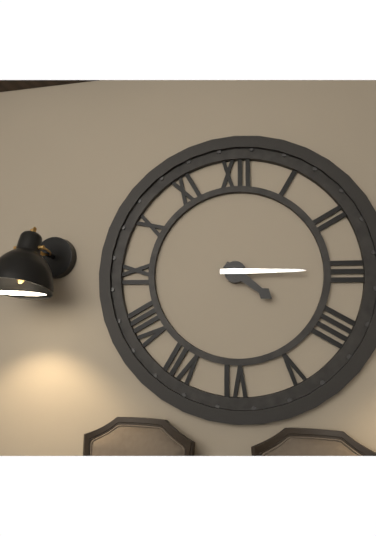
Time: h=4 m=15
